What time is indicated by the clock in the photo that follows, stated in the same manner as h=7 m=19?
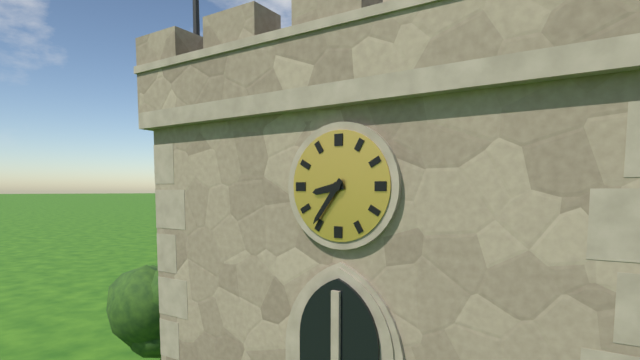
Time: h=8 m=36
